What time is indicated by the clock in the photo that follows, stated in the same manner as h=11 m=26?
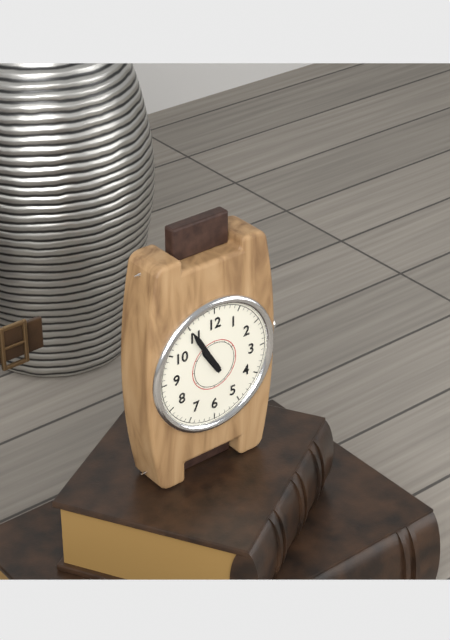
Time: h=10 m=55
